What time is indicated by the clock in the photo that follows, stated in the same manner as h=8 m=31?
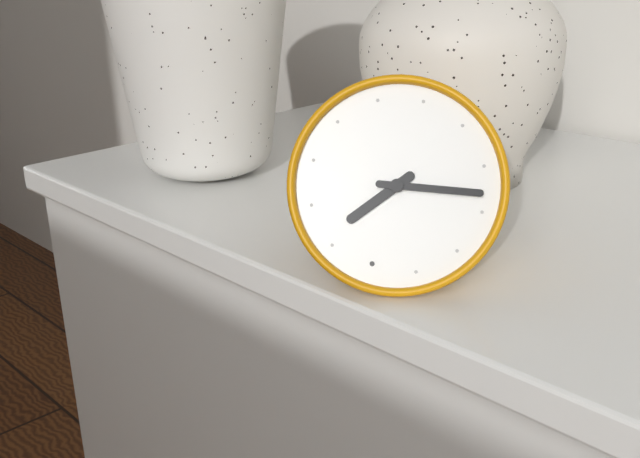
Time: h=7 m=13
